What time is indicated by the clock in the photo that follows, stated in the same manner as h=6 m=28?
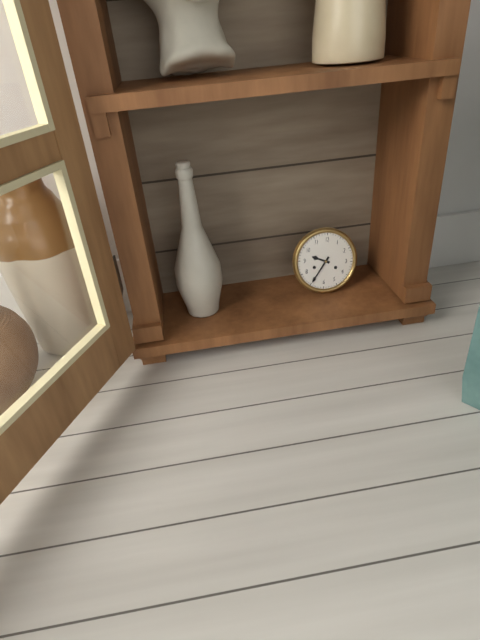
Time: h=9 m=35
